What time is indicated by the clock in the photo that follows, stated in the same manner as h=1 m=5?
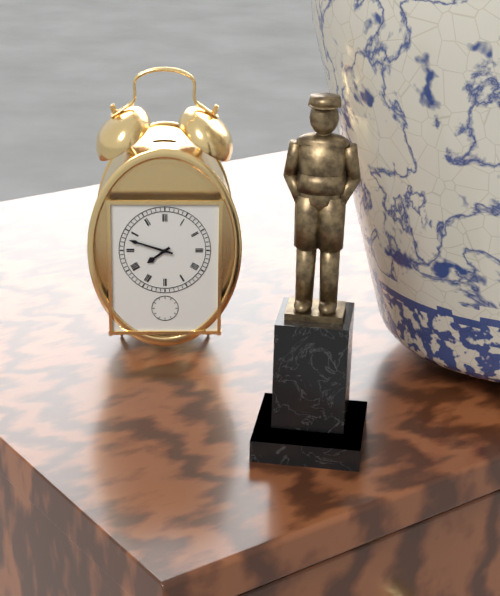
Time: h=7 m=48
